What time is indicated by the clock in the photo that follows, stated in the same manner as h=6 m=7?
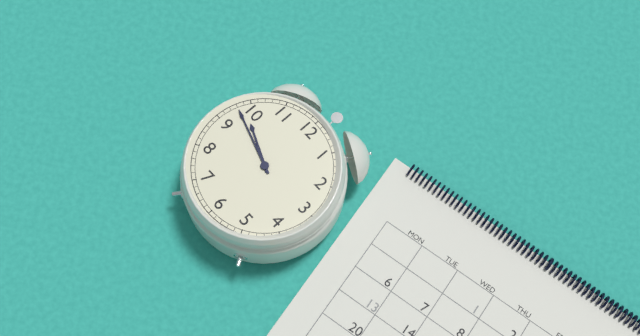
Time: h=9 m=48
